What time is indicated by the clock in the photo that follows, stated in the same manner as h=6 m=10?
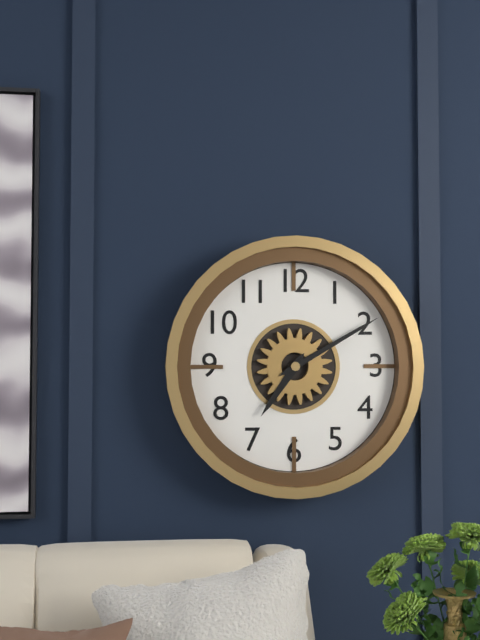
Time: h=7 m=10
